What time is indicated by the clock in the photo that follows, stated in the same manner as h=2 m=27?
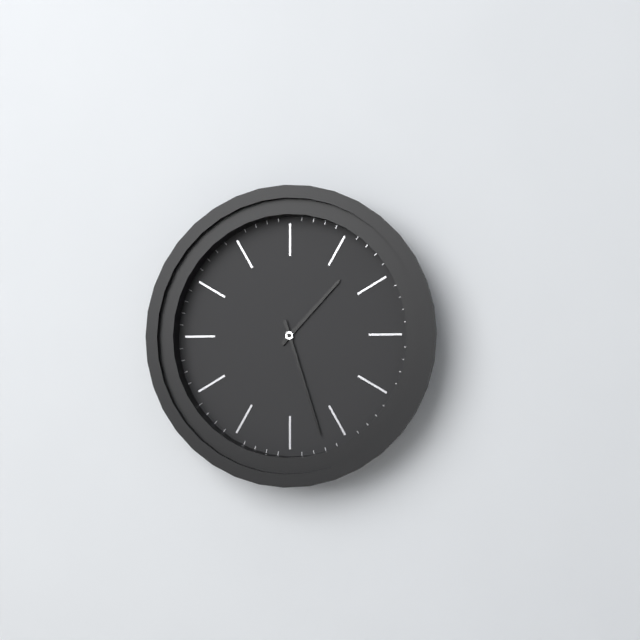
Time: h=1 m=27
